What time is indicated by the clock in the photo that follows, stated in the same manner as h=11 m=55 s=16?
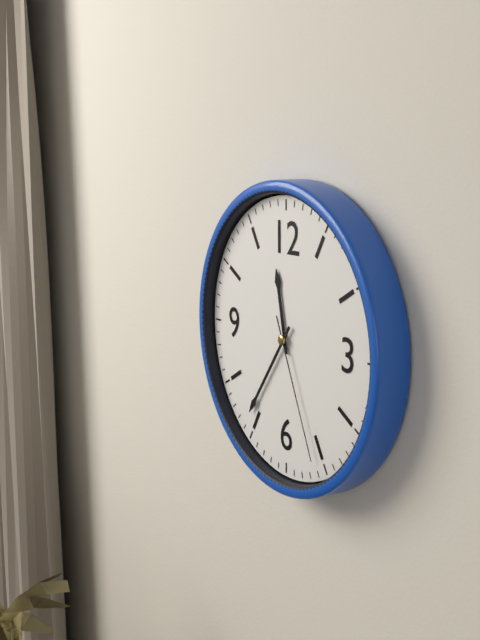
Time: h=11 m=36 s=26
